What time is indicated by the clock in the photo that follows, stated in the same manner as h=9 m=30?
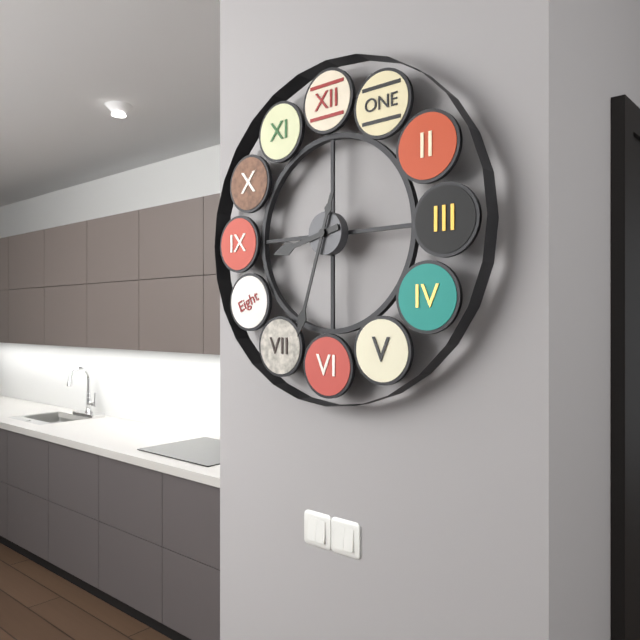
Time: h=8 m=33
